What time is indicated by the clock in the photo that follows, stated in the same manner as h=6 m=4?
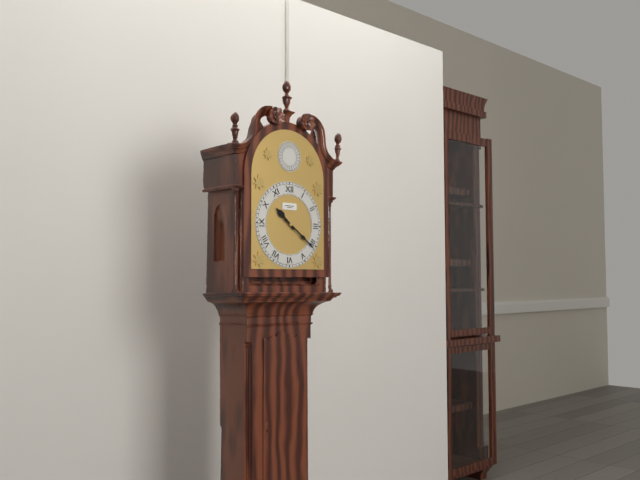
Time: h=10 m=21
